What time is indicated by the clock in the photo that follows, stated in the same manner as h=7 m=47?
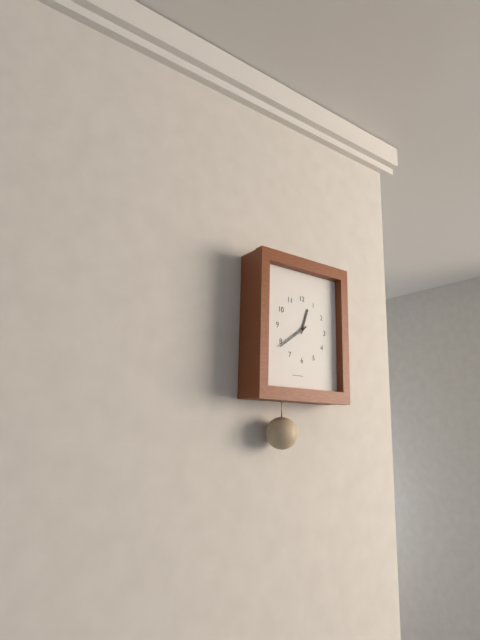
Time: h=12 m=39
